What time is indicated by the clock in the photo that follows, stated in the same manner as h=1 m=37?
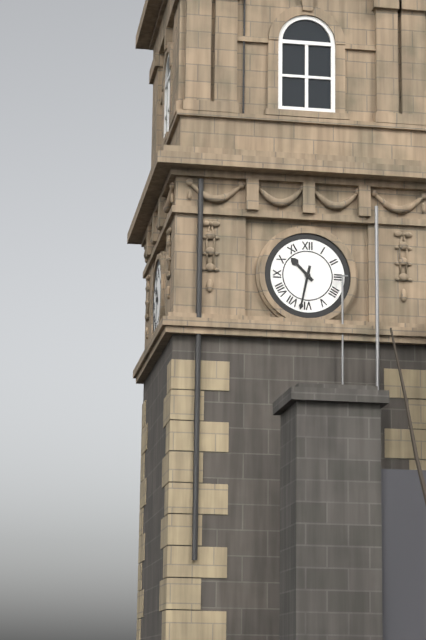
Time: h=10 m=32
